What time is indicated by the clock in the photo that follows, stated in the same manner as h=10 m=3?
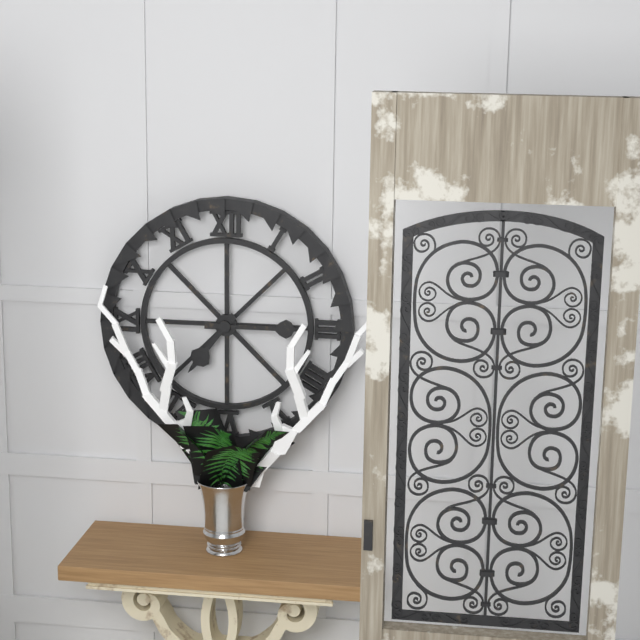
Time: h=7 m=15
